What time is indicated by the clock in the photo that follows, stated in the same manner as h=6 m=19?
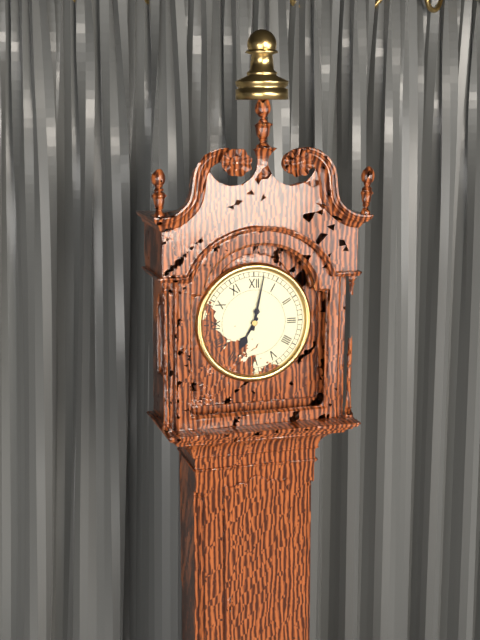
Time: h=7 m=2
